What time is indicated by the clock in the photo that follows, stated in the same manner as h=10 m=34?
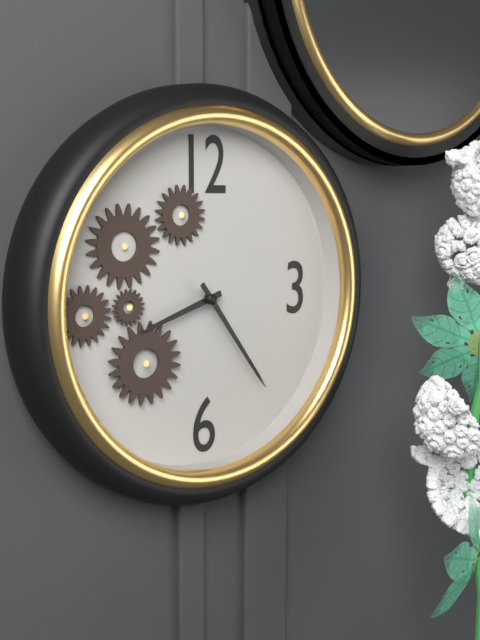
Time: h=8 m=24
